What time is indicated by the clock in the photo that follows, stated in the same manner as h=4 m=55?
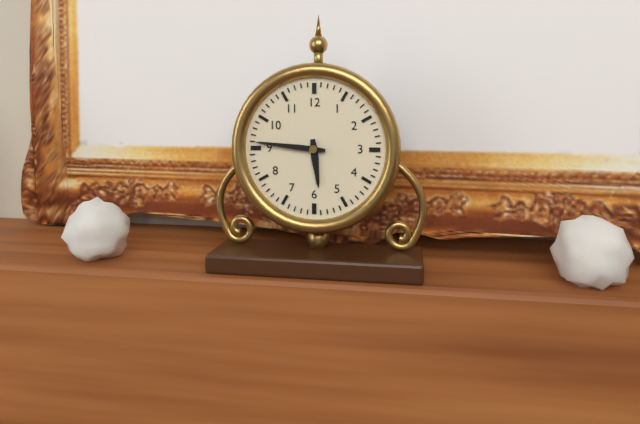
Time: h=5 m=46
